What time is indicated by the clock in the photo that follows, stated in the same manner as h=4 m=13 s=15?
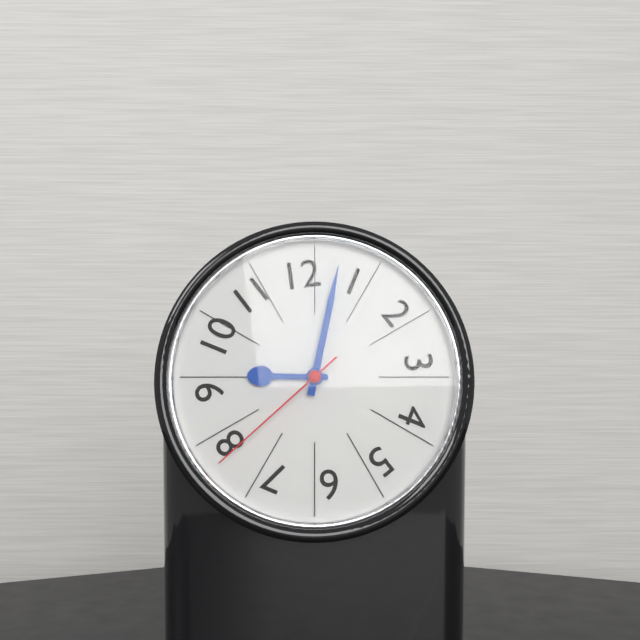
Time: h=9 m=2 s=38
